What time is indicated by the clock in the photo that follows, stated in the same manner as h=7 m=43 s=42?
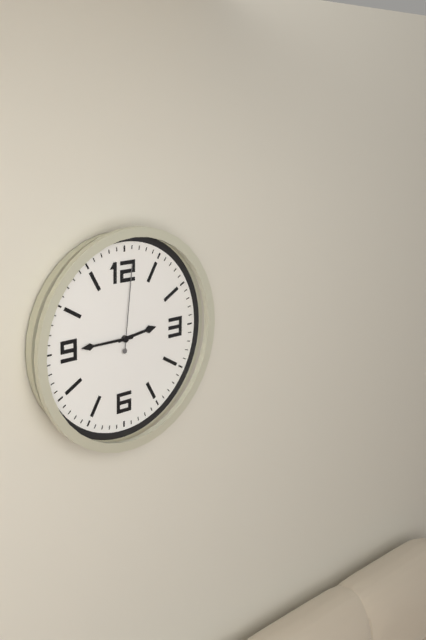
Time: h=2 m=45 s=1
